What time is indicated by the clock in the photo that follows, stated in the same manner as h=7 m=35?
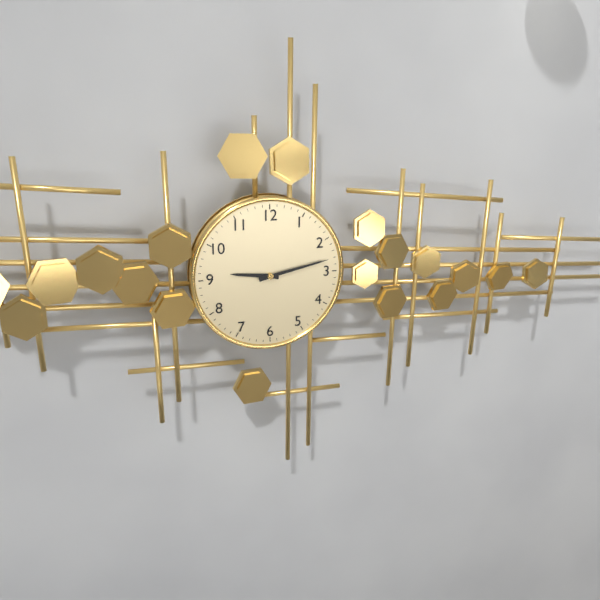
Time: h=9 m=13
